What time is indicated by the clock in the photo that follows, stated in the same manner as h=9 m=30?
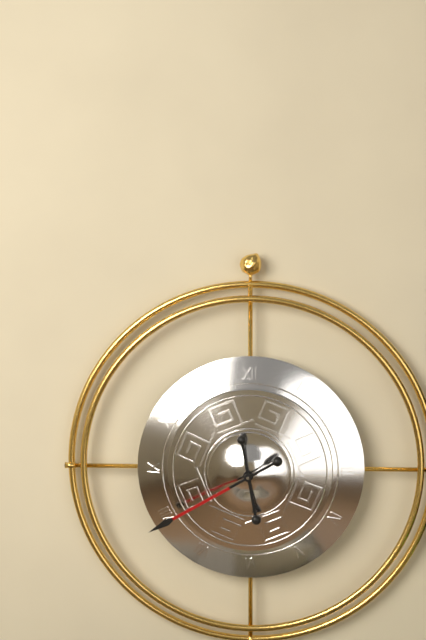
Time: h=5 m=40
